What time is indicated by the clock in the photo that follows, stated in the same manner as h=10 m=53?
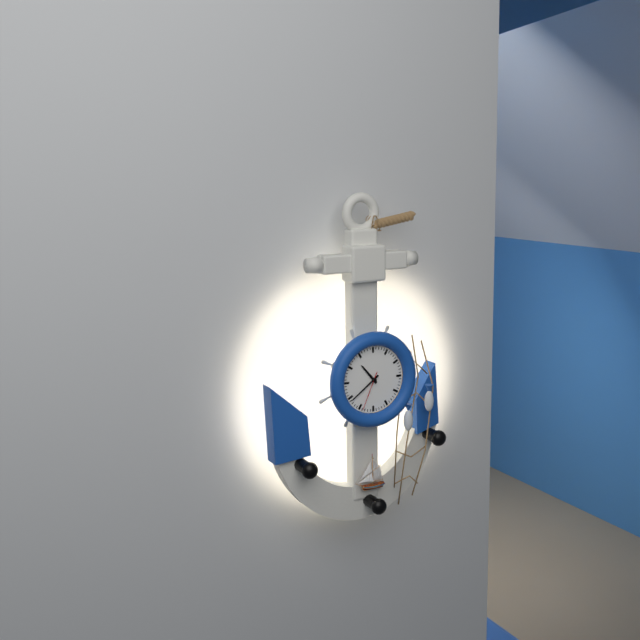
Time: h=10 m=39
